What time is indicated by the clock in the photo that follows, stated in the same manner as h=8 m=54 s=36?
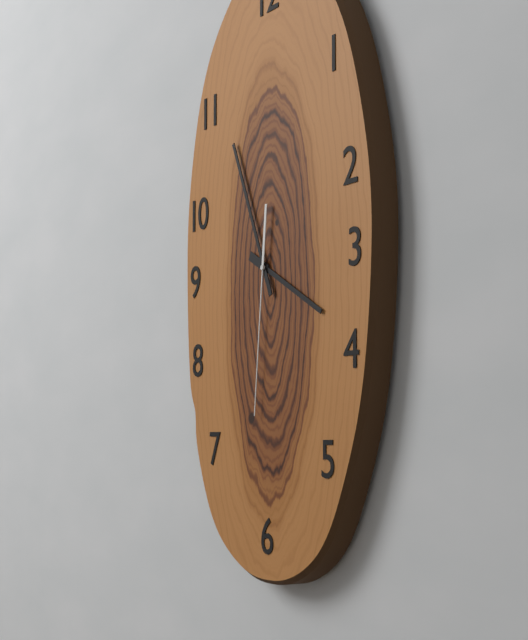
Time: h=3 m=56 s=31
